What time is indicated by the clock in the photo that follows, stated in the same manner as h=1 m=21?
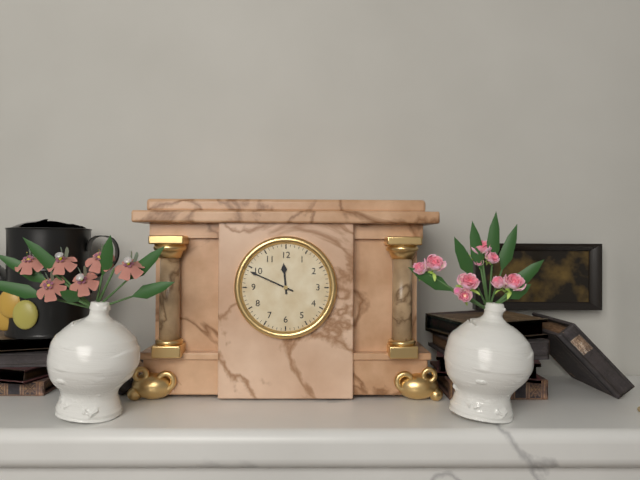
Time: h=11 m=49
